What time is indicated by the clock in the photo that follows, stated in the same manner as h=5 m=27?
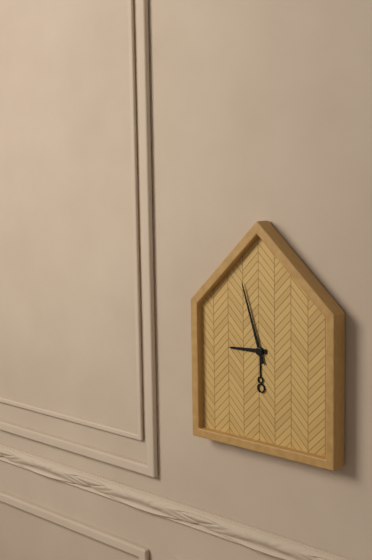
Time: h=8 m=57
